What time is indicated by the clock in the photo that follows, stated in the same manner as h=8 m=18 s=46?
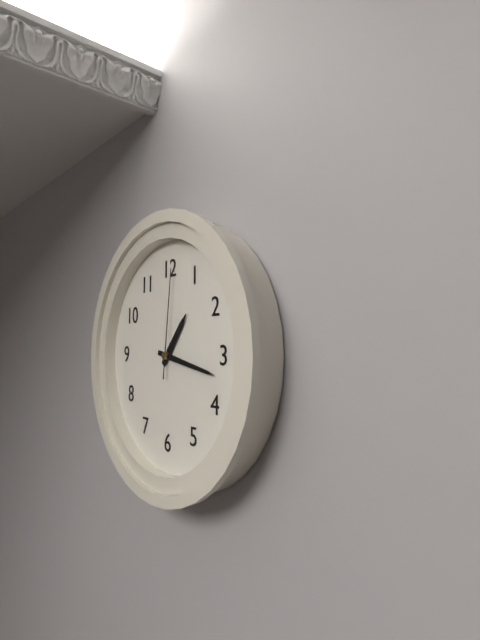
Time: h=1 m=17 s=1
